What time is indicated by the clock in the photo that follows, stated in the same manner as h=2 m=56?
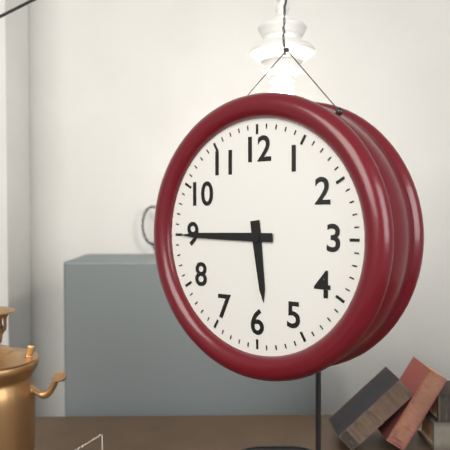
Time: h=5 m=45
